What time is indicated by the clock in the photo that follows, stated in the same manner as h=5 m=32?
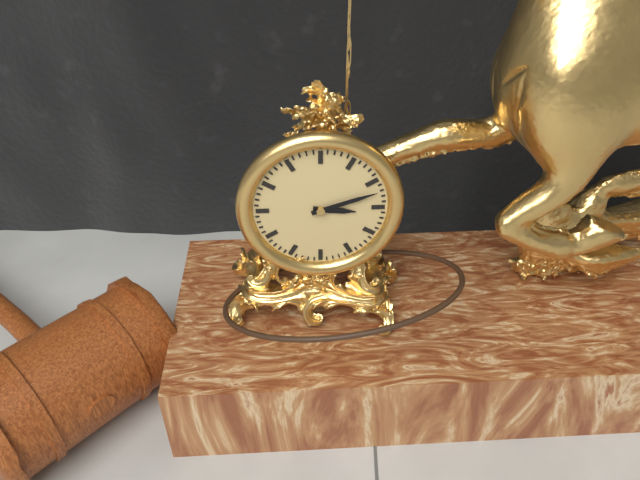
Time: h=3 m=12
